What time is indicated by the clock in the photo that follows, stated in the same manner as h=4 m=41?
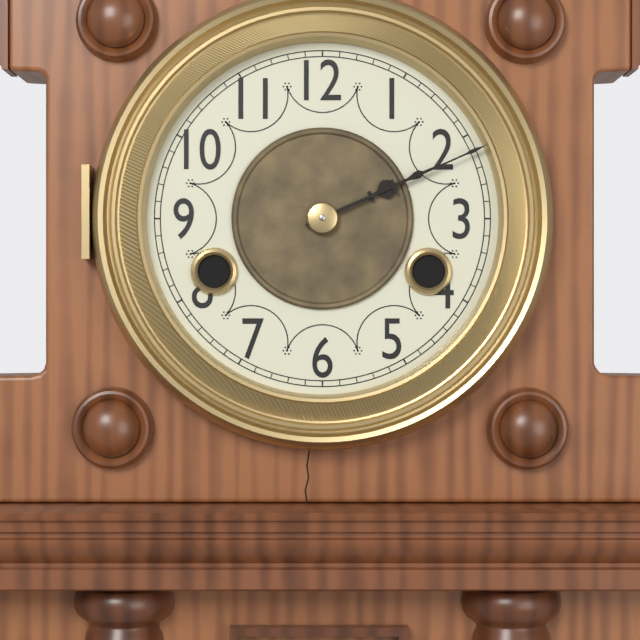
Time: h=2 m=11
